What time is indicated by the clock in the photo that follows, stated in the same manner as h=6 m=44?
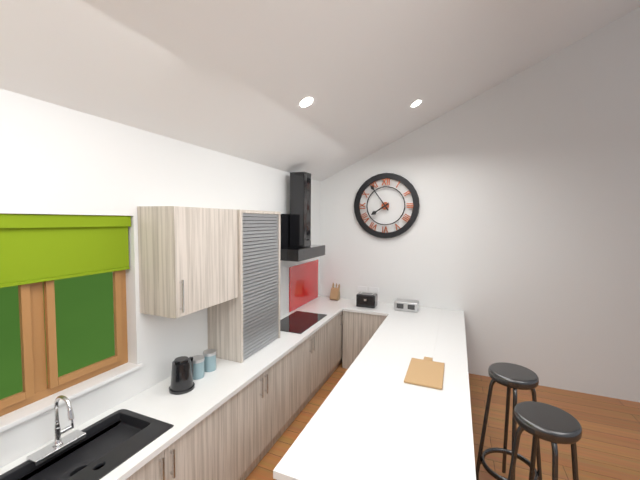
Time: h=7 m=54
